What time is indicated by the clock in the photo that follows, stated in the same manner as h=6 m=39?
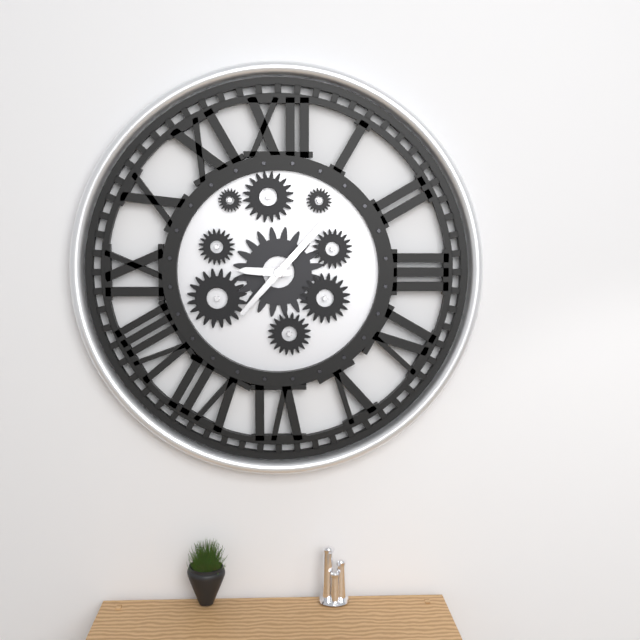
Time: h=9 m=7
